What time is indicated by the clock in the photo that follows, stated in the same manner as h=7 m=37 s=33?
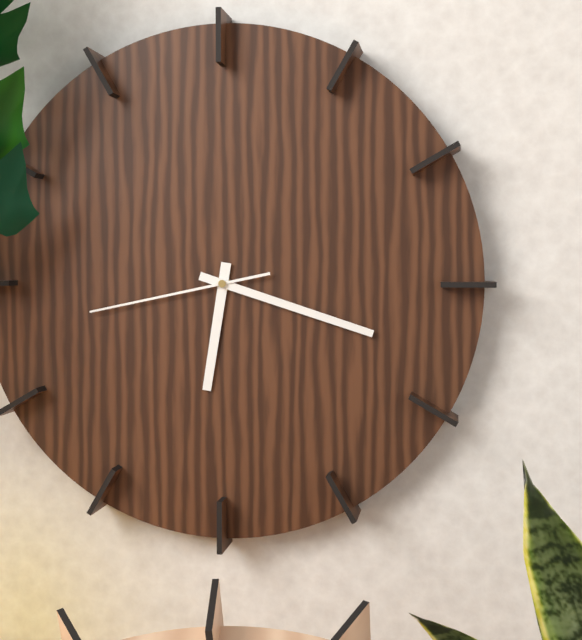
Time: h=6 m=18 s=43
